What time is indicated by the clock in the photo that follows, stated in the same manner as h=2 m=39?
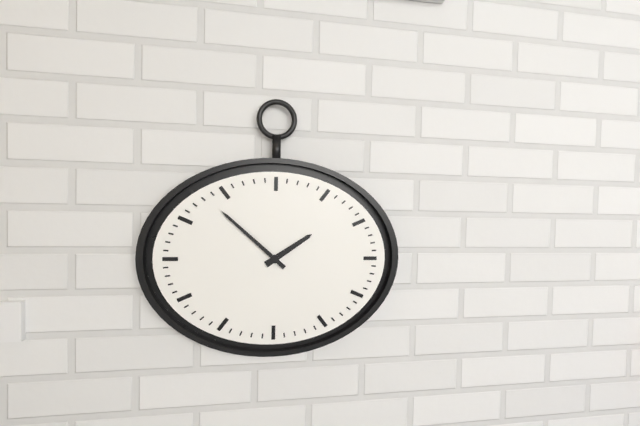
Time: h=1 m=52
